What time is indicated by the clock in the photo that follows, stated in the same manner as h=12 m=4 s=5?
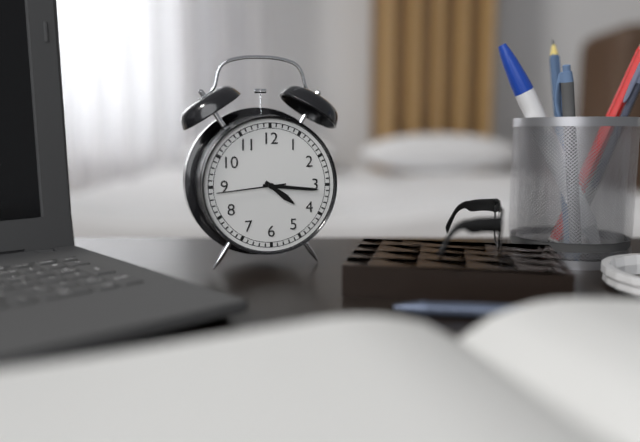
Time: h=4 m=16 s=44
